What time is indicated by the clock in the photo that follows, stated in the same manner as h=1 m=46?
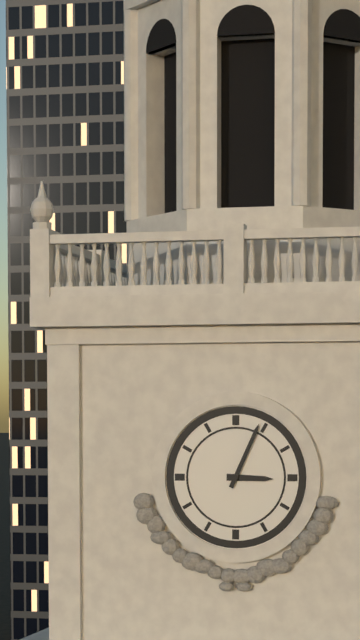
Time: h=3 m=4
